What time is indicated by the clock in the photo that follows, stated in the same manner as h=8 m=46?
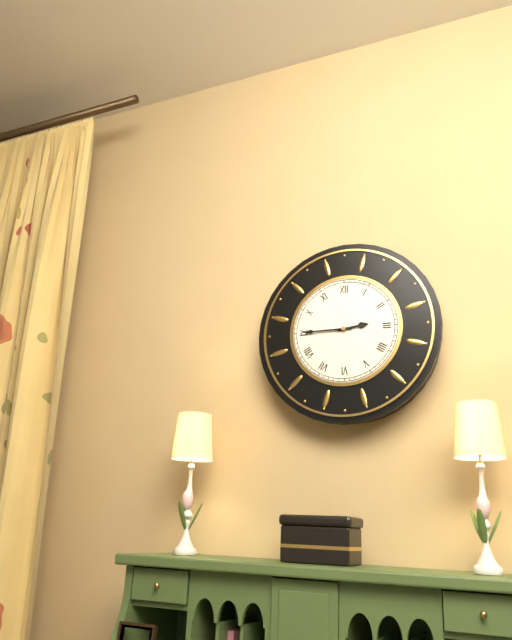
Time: h=2 m=45
